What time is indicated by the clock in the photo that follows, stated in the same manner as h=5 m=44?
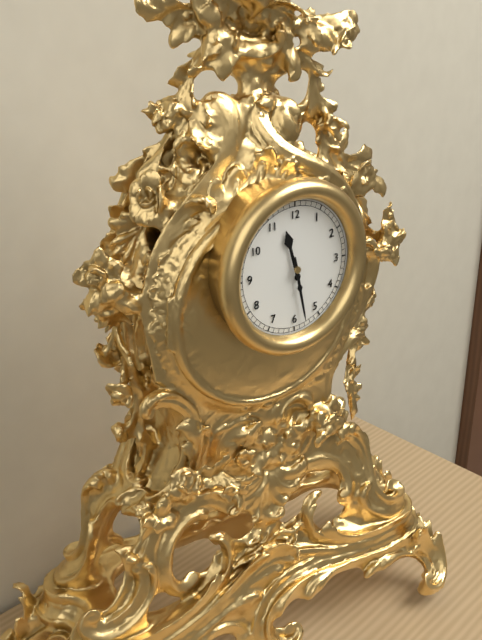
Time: h=11 m=28
